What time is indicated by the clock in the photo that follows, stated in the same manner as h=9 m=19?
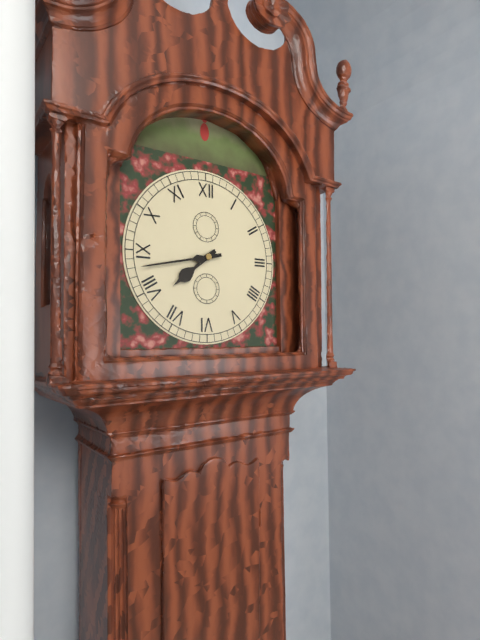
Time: h=7 m=43
